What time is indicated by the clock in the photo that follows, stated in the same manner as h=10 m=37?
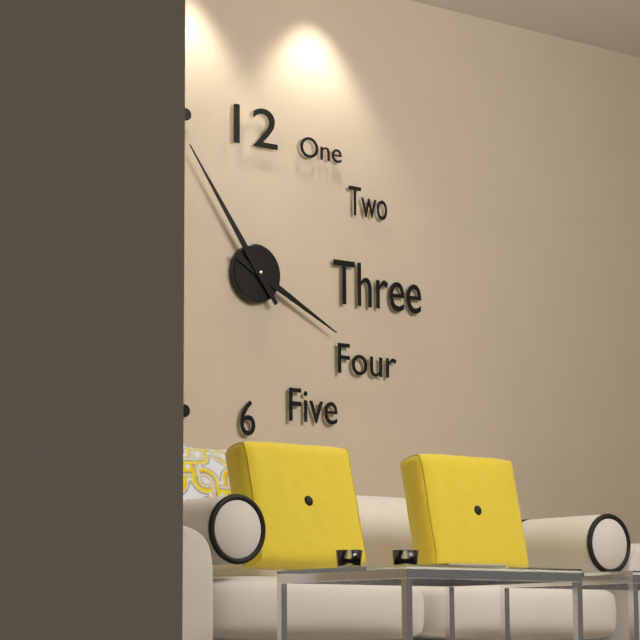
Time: h=3 m=54
